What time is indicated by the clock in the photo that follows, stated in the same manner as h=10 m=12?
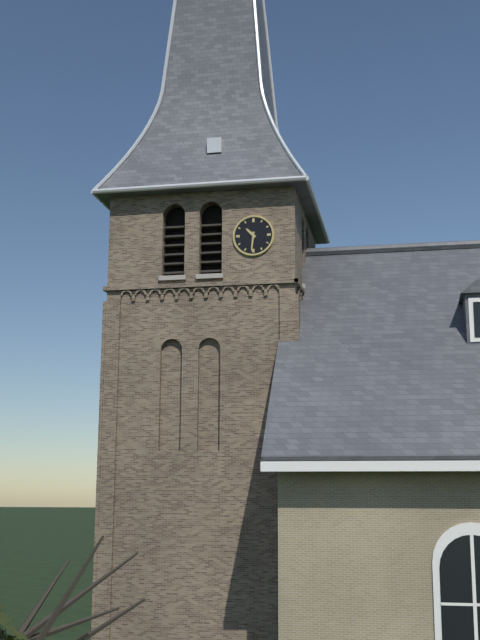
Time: h=10 m=31
